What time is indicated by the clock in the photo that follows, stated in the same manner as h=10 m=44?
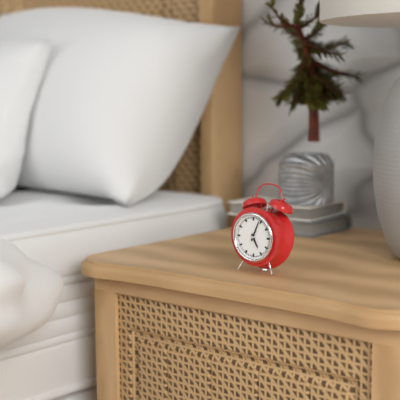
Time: h=5 m=4
